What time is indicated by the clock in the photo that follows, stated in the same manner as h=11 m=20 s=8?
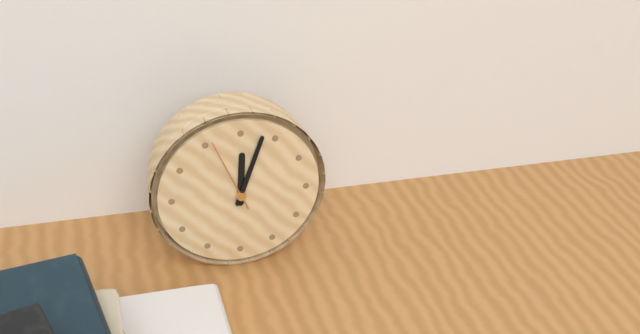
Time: h=12 m=3 s=56
